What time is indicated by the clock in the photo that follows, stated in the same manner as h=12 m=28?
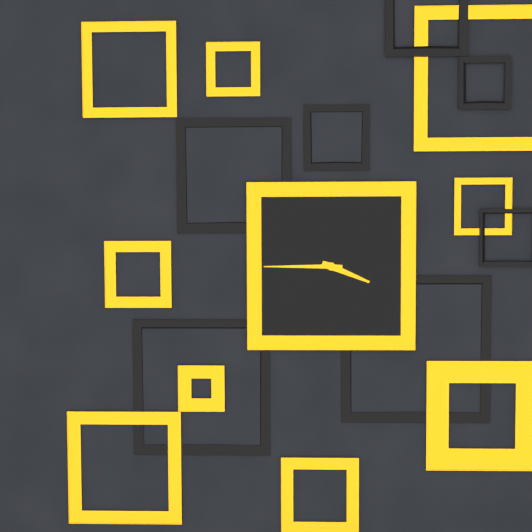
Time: h=3 m=45
